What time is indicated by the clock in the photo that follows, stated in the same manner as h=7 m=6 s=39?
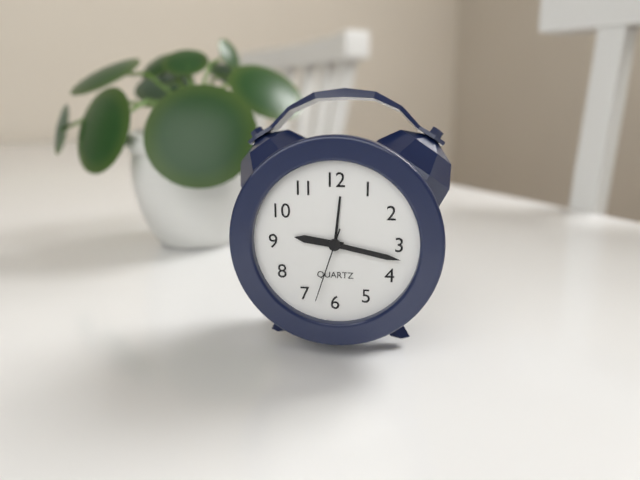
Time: h=9 m=17 s=33
